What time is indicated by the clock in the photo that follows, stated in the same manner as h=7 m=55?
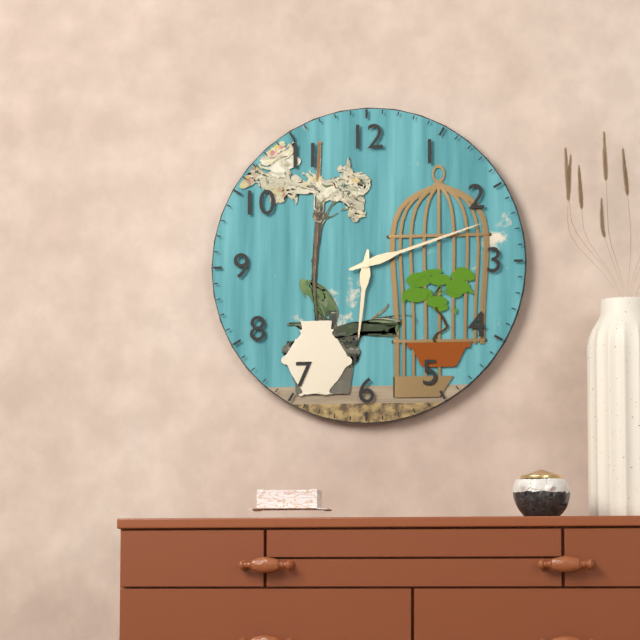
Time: h=6 m=12
